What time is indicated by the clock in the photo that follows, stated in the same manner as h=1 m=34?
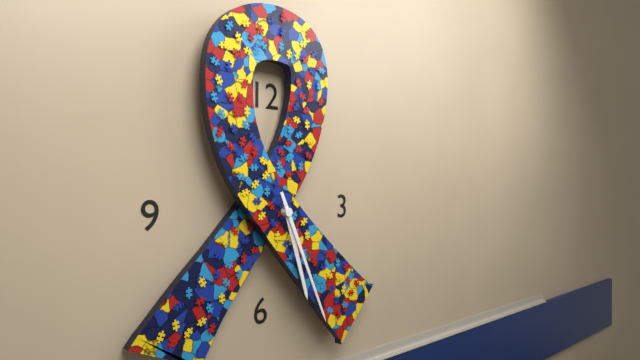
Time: h=5 m=26
